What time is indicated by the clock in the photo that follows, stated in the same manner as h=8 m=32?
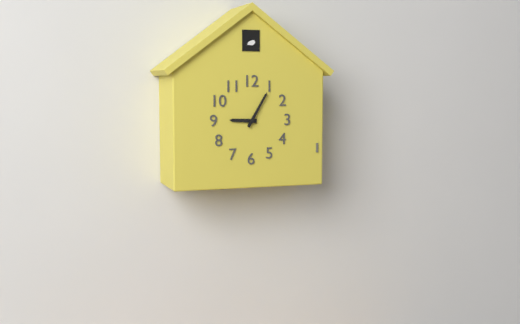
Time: h=9 m=5
